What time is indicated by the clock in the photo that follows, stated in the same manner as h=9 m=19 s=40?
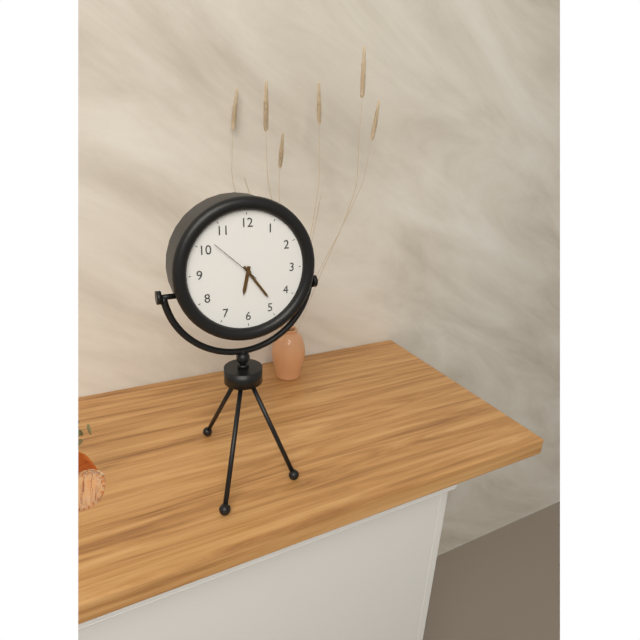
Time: h=6 m=24 s=52
